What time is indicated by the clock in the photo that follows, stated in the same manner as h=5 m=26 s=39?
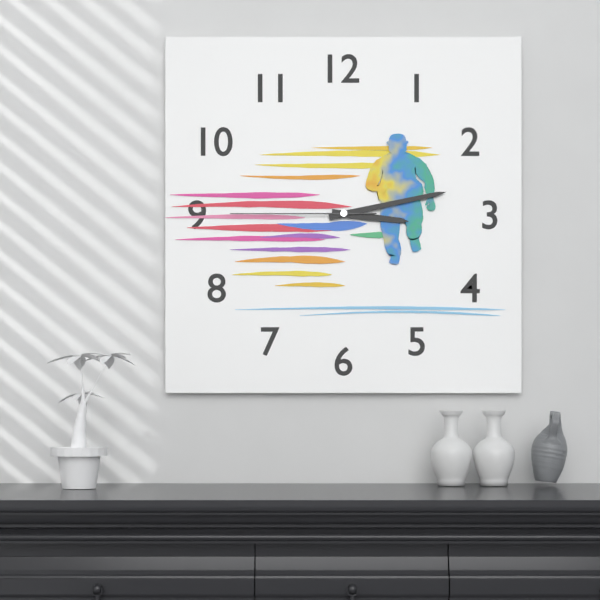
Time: h=3 m=13 s=45
